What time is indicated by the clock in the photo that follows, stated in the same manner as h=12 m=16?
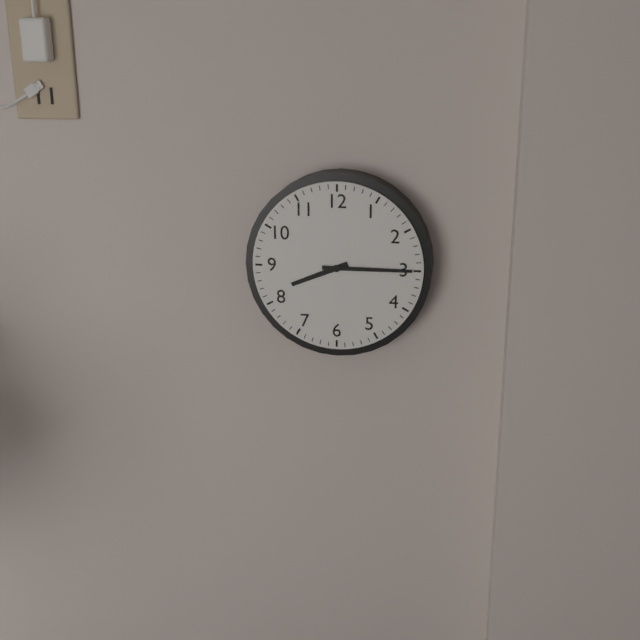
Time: h=8 m=15
